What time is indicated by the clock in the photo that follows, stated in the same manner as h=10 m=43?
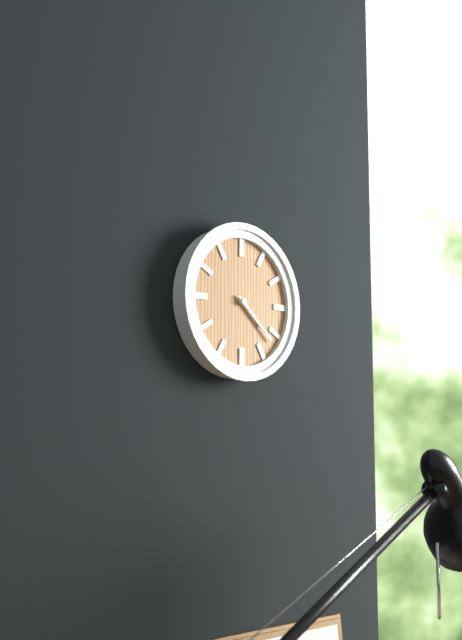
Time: h=4 m=22
